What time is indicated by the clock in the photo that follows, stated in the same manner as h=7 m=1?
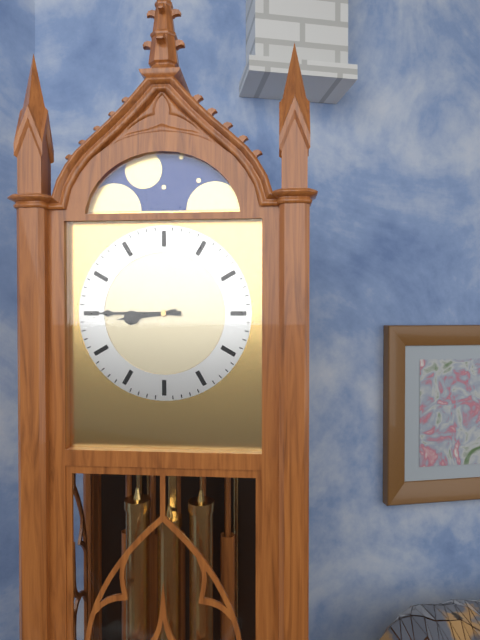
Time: h=8 m=45
